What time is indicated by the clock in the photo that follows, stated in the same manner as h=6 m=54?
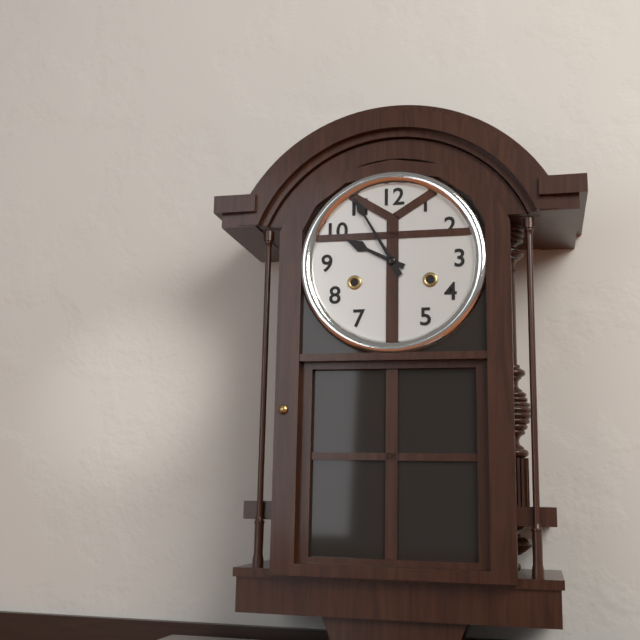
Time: h=9 m=55
